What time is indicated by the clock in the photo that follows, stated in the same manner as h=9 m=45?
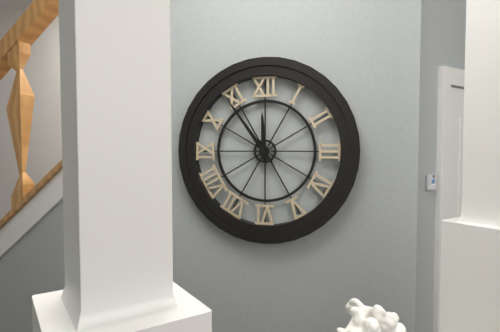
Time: h=11 m=54
